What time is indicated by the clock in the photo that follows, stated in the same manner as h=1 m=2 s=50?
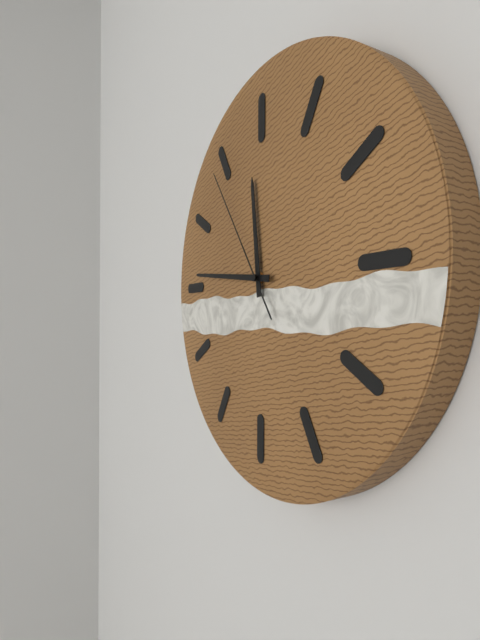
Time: h=11 m=46 s=54
